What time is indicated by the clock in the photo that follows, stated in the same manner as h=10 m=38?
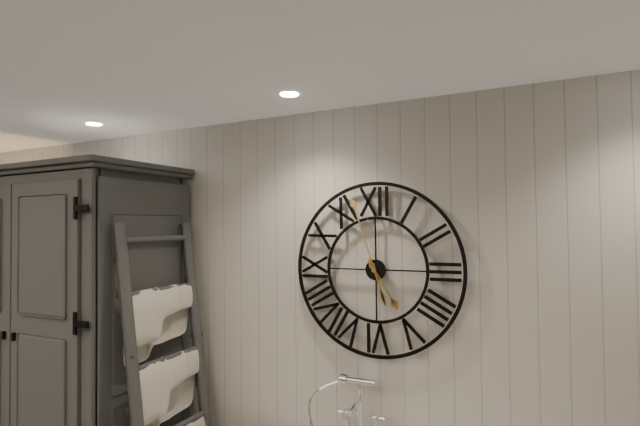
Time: h=4 m=57
